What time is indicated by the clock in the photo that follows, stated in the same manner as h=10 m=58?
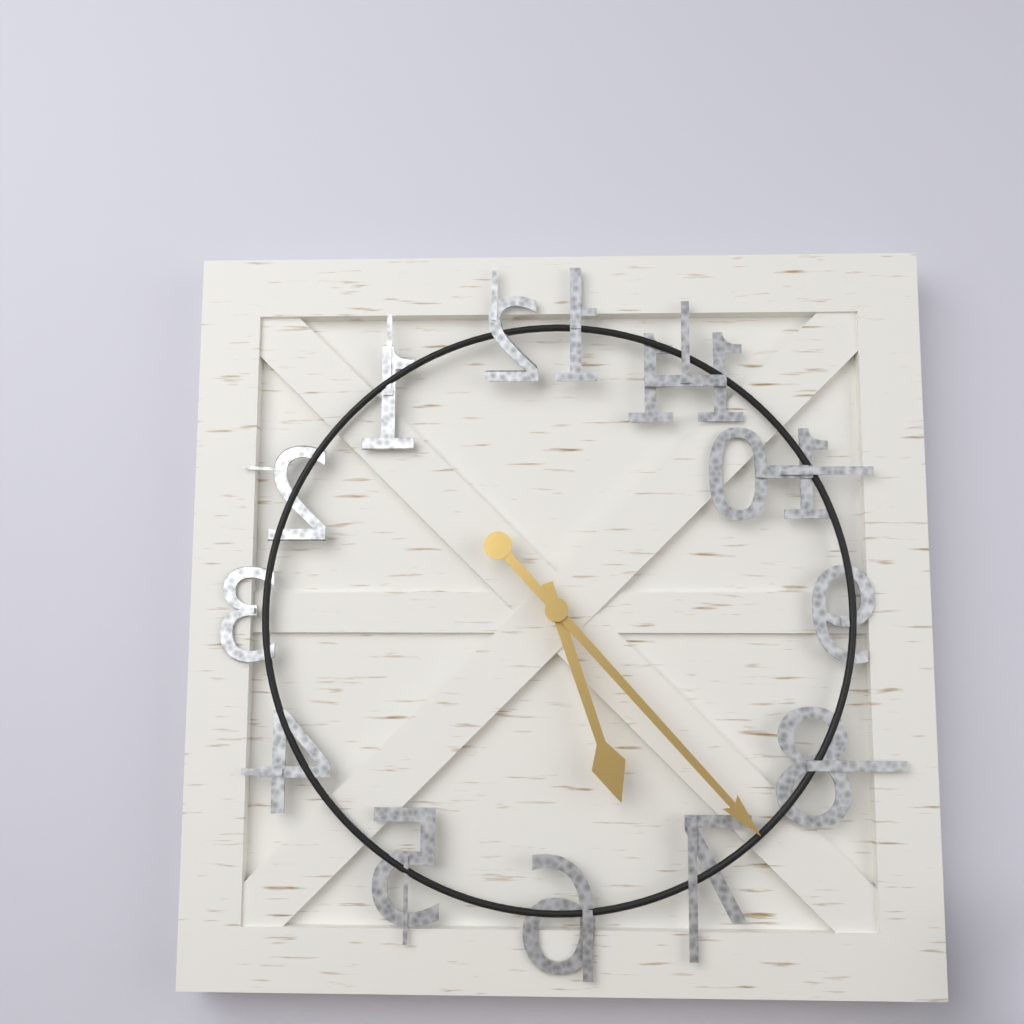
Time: h=5 m=23
